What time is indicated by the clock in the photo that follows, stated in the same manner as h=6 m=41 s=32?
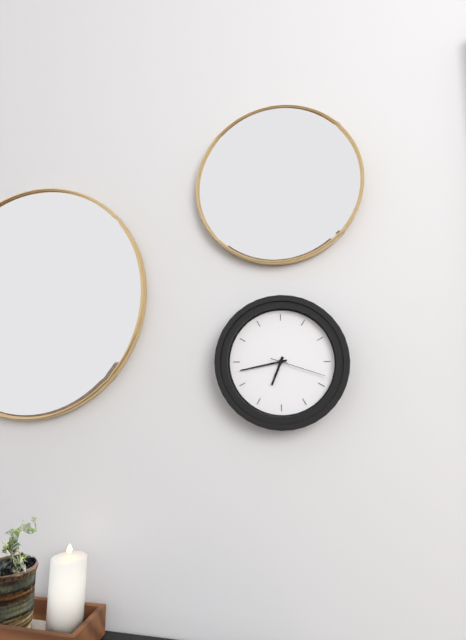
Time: h=6 m=43 s=18
